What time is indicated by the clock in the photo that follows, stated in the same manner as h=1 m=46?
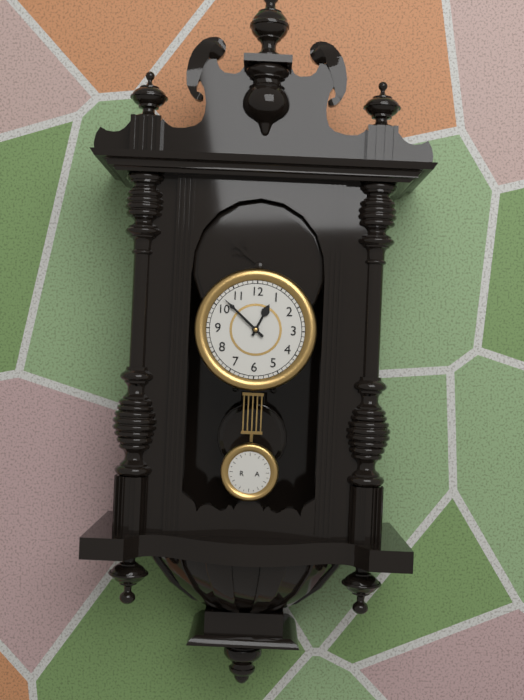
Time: h=12 m=52
